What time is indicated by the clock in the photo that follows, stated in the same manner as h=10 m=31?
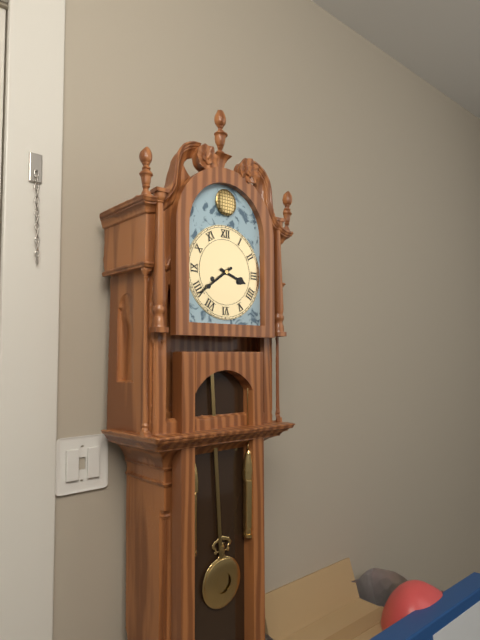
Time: h=3 m=39
